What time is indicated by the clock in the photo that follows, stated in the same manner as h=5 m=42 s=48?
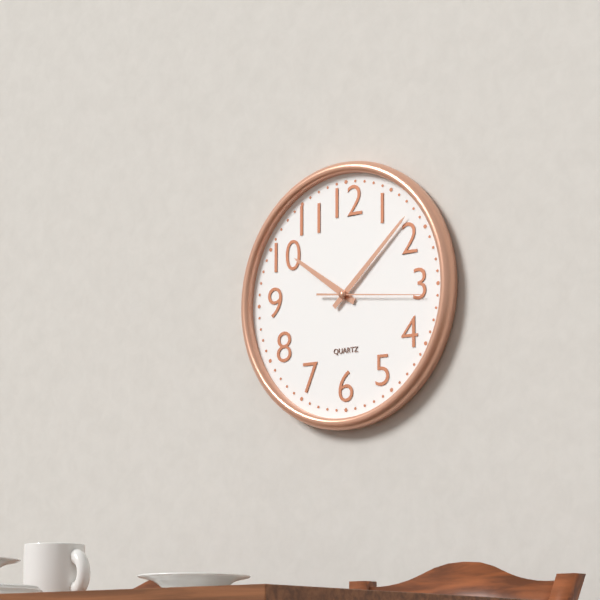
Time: h=10 m=8 s=16
